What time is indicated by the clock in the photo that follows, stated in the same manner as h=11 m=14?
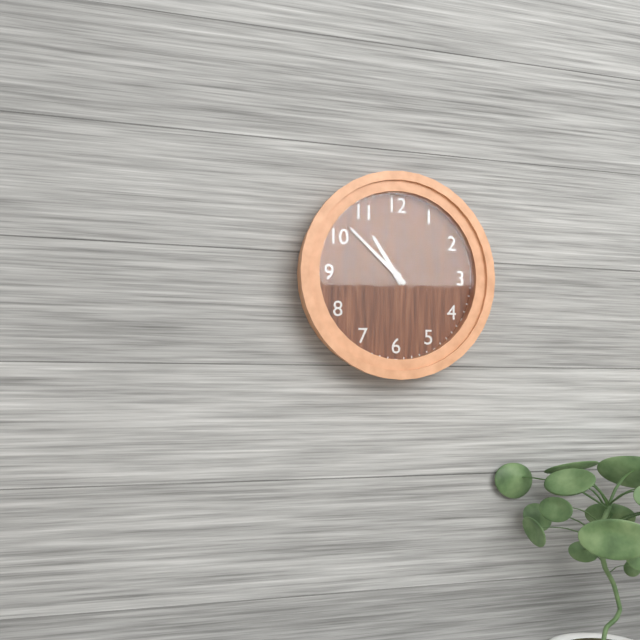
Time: h=10 m=52
